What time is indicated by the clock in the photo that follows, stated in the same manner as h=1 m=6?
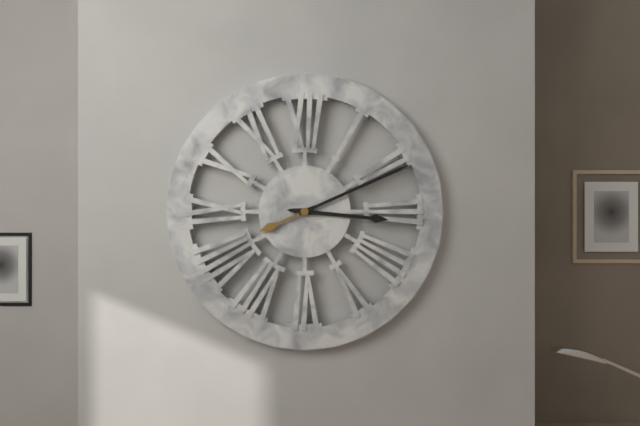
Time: h=3 m=11
